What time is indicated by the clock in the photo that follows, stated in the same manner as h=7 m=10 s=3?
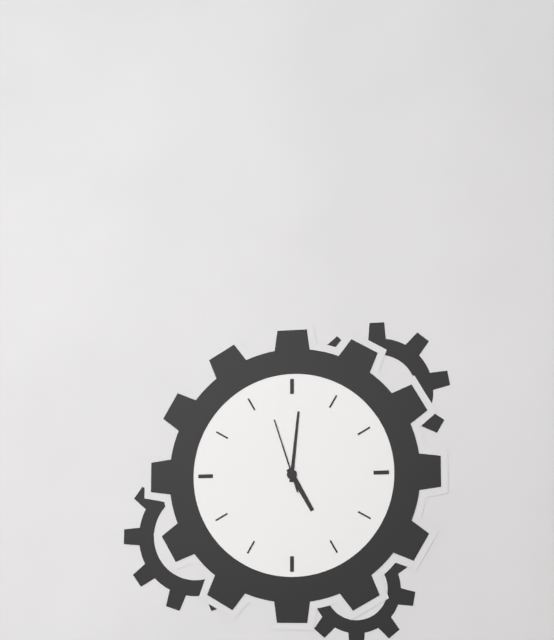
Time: h=5 m=1 s=57
